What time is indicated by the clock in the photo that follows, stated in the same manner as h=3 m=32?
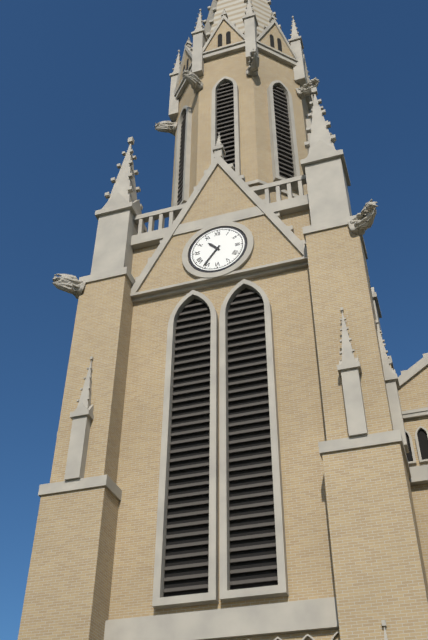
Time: h=10 m=36
